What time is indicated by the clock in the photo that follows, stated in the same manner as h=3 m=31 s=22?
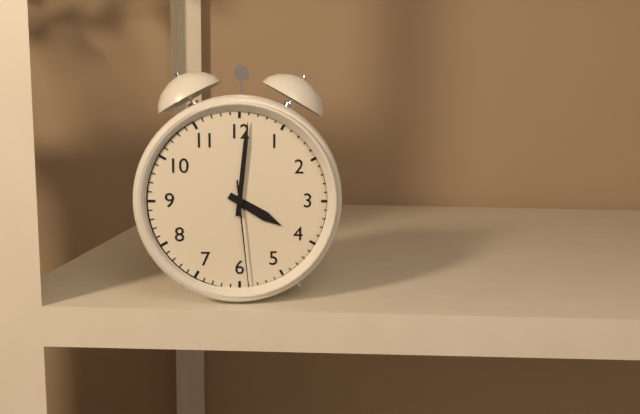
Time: h=4 m=1 s=29
